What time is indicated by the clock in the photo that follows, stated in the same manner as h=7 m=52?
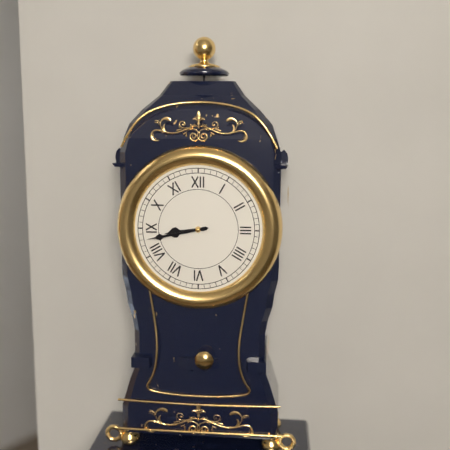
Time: h=8 m=43
